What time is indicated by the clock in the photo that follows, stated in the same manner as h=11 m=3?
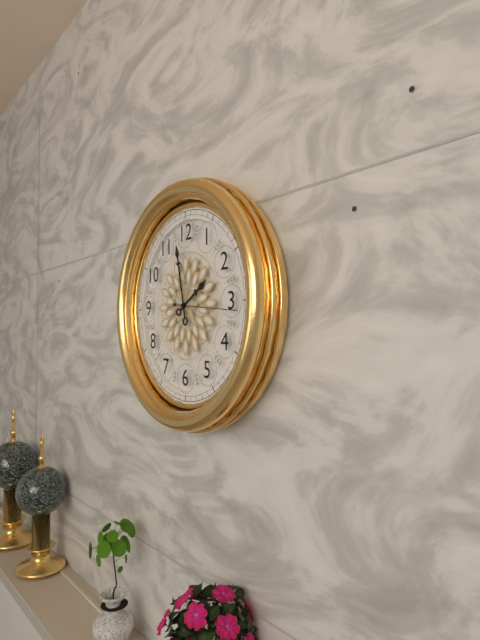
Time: h=1 m=58
